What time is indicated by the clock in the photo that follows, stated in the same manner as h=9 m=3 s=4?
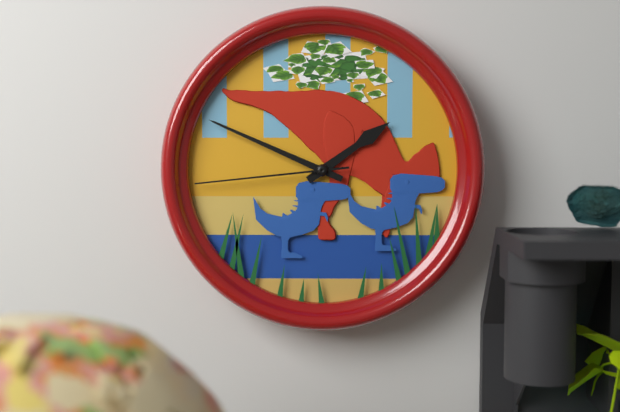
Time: h=1 m=49 s=44
